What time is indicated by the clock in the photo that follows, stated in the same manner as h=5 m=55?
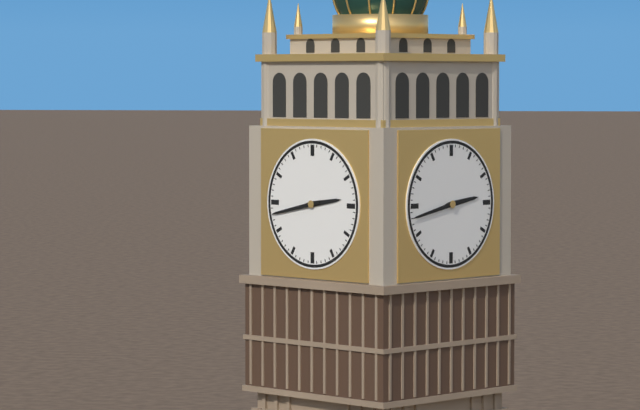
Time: h=2 m=43
